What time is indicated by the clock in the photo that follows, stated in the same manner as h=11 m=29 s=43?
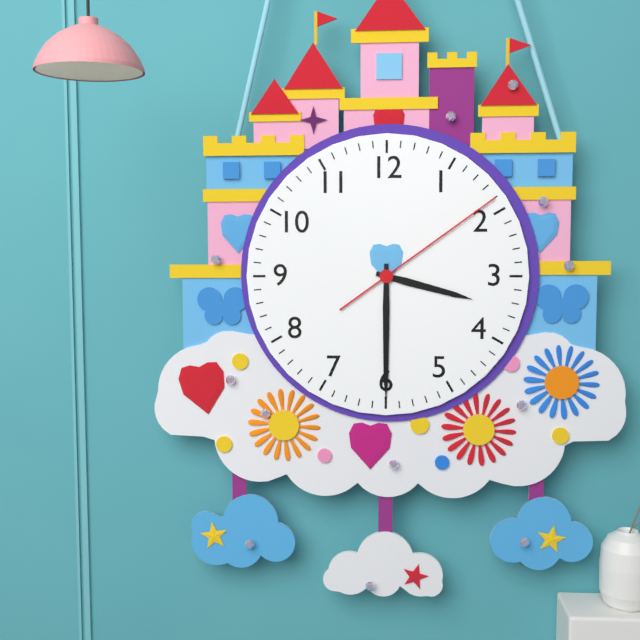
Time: h=3 m=30 s=9
